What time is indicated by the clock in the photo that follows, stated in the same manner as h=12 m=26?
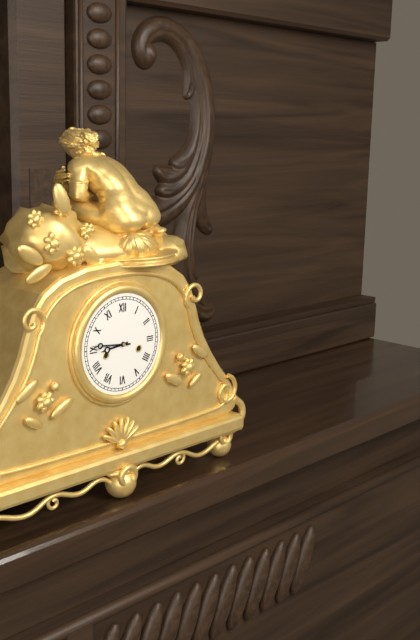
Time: h=8 m=46
